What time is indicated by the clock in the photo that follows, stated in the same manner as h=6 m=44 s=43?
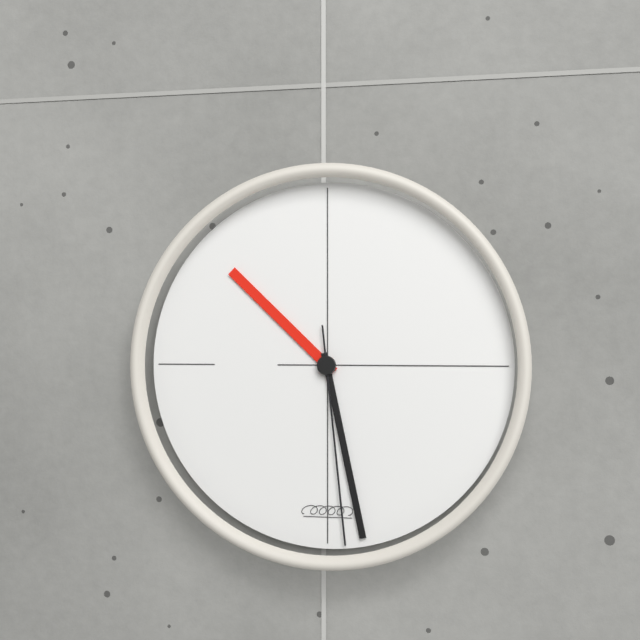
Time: h=10 m=28 s=29
